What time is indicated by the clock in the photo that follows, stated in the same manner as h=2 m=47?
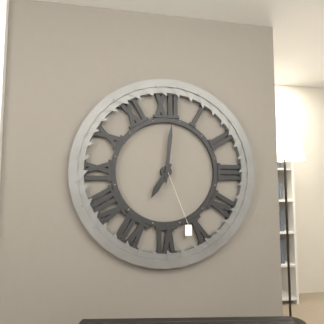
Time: h=7 m=1
